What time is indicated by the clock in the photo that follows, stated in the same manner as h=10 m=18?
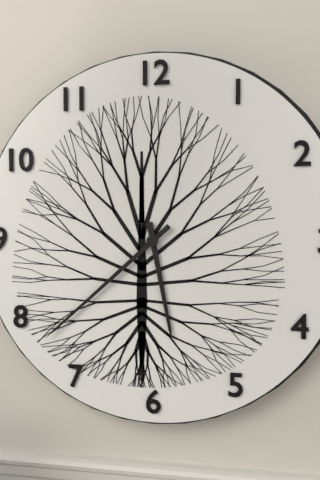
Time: h=5 m=38
